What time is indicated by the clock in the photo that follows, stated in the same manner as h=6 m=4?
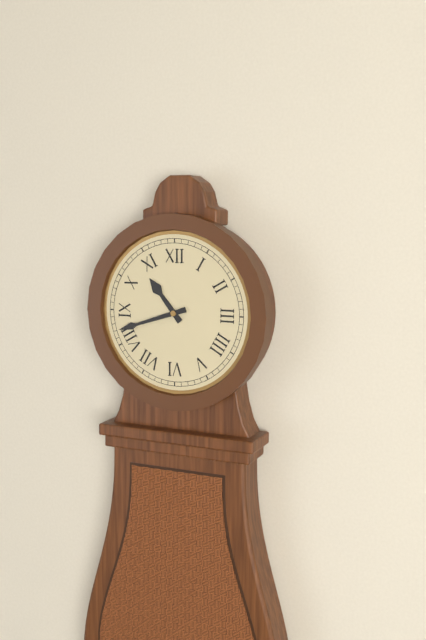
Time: h=10 m=42
